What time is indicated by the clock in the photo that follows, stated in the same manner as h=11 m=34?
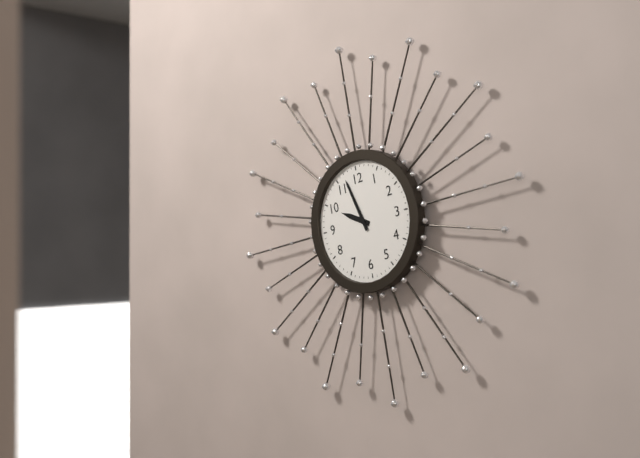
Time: h=9 m=57
